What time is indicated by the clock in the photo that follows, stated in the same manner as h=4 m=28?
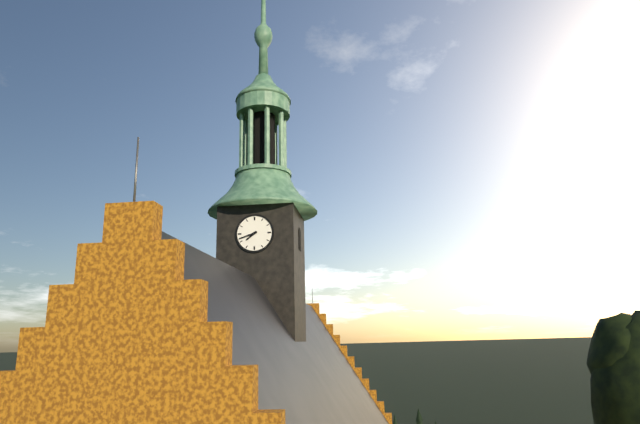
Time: h=7 m=42
